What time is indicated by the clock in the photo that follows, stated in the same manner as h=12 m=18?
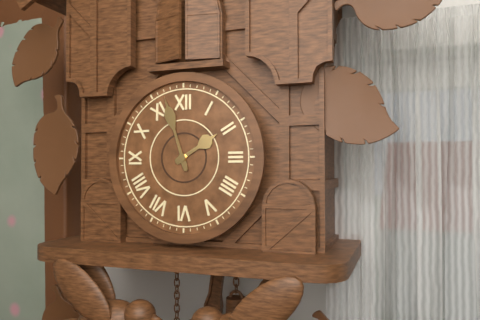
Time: h=1 m=57
